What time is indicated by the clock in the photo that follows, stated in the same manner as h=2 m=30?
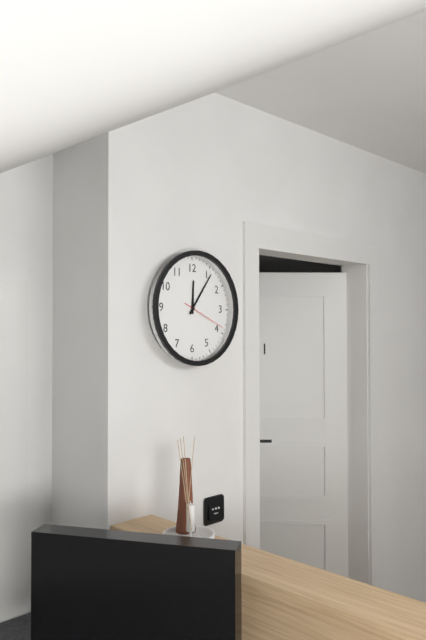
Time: h=12 m=6
